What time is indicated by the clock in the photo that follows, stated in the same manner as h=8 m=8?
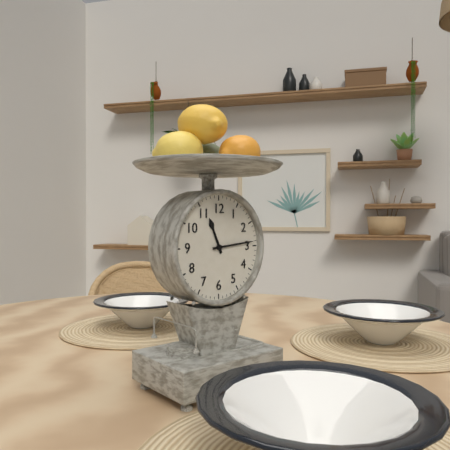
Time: h=11 m=14
